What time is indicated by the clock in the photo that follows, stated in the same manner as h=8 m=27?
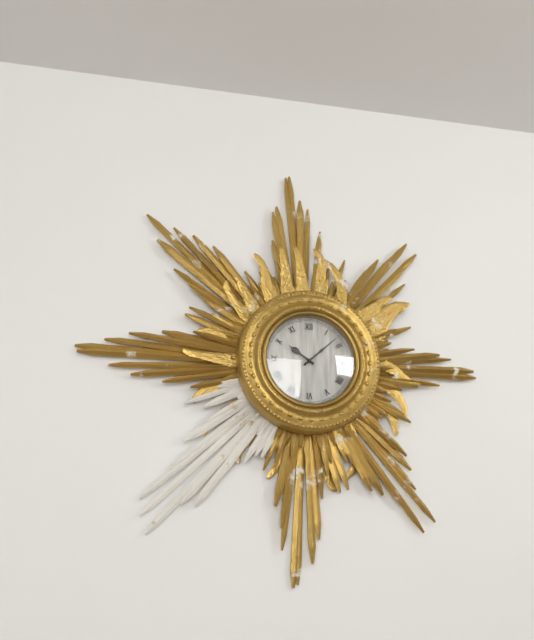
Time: h=10 m=8
